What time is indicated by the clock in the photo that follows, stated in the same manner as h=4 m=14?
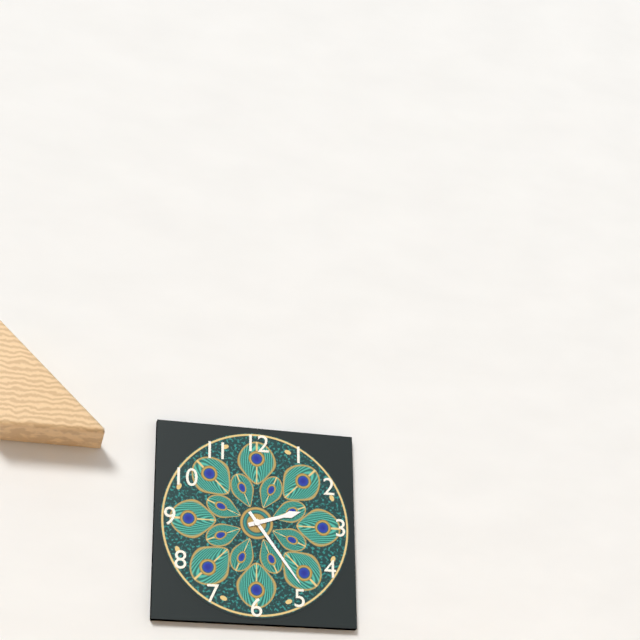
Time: h=2 m=24
